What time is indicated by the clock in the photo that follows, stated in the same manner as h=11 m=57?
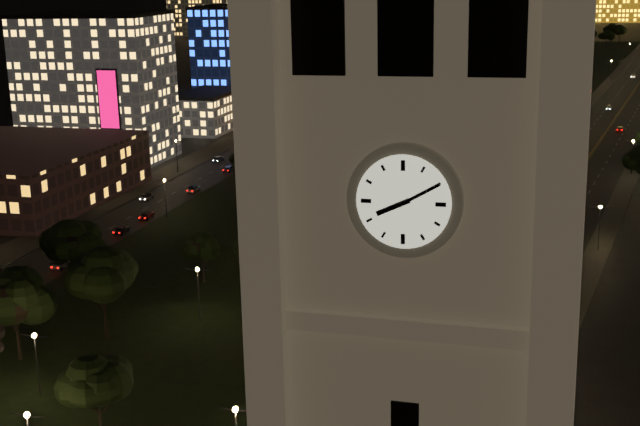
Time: h=8 m=10
